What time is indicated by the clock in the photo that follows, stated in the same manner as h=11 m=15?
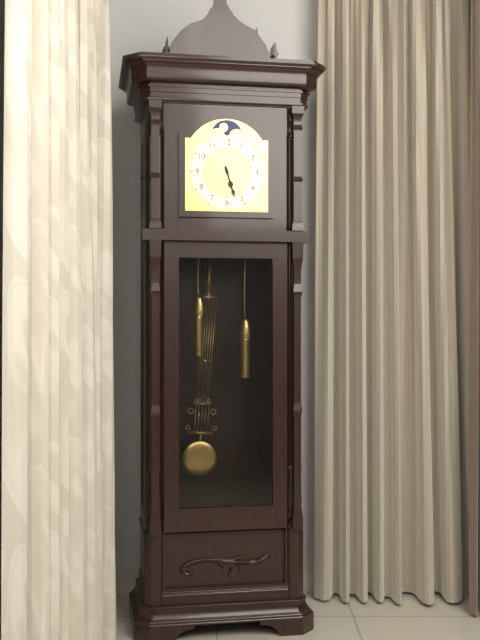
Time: h=5 m=27
